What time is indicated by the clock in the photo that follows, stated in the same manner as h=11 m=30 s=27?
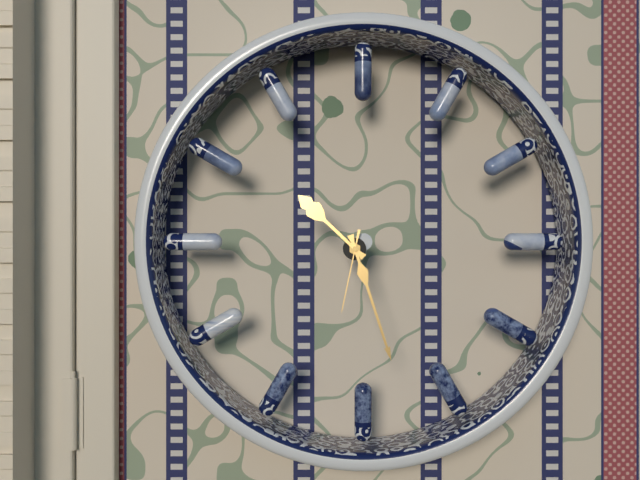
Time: h=10 m=27 s=32
